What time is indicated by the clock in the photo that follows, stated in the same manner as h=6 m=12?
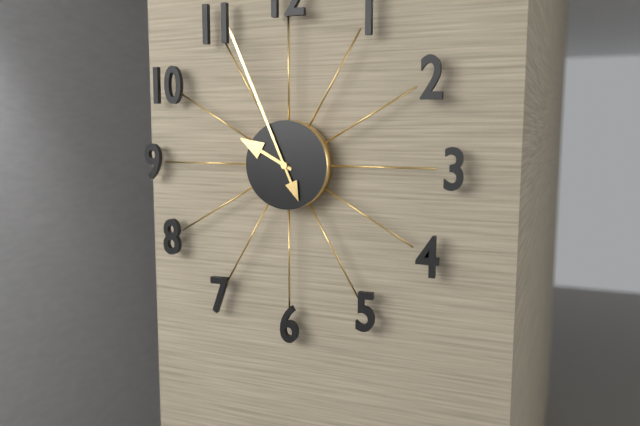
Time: h=9 m=56
